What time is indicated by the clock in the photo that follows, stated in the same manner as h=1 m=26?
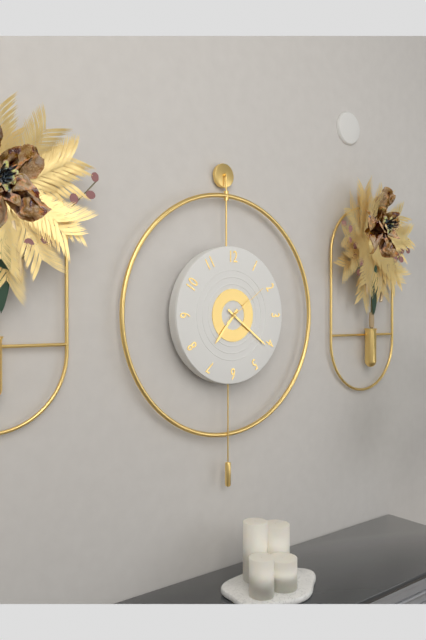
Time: h=7 m=21
